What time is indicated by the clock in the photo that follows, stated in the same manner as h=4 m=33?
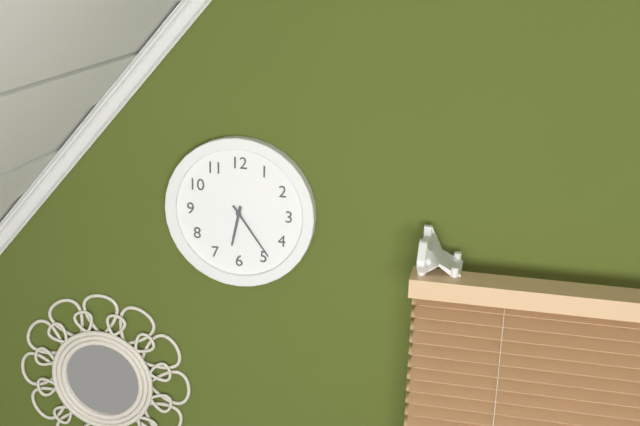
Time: h=6 m=24
